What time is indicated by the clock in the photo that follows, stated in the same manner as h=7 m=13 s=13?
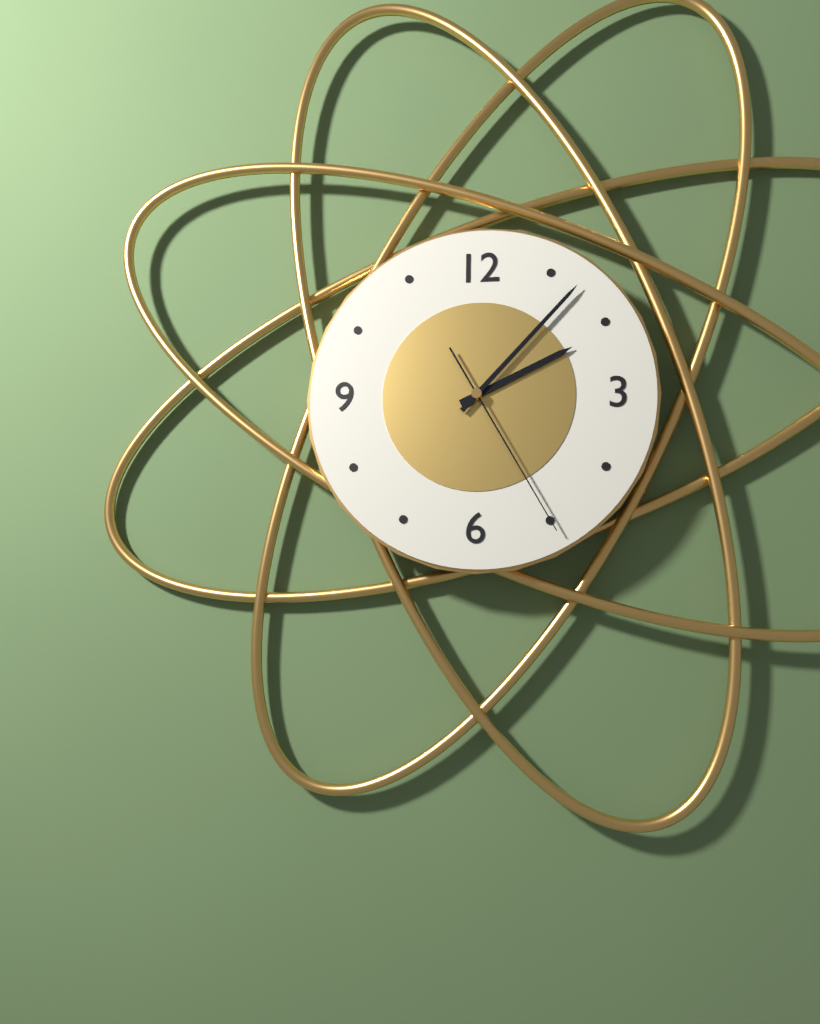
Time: h=2 m=7 s=25
